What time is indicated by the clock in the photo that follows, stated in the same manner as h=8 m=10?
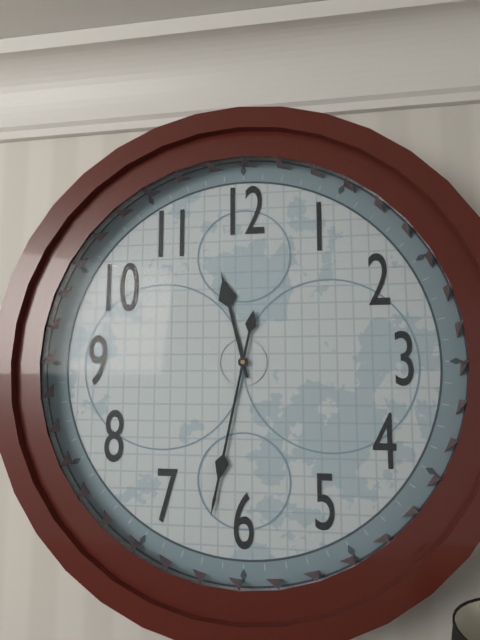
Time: h=11 m=32
